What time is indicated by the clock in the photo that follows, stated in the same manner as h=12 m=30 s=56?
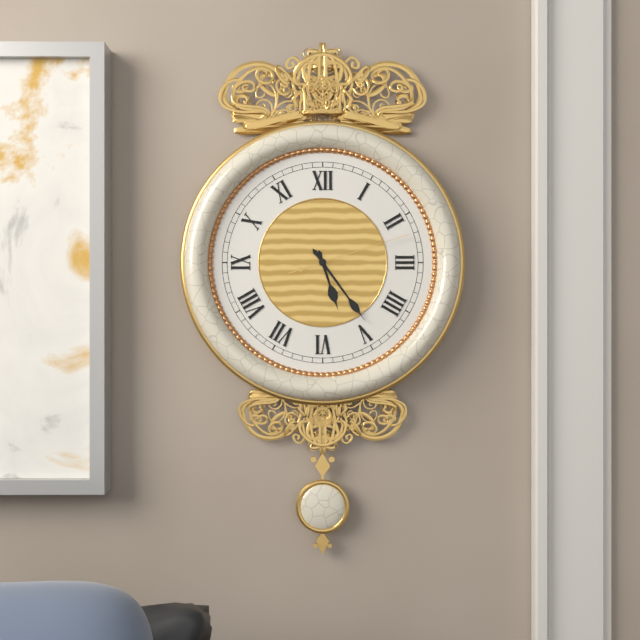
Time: h=5 m=24 s=12
